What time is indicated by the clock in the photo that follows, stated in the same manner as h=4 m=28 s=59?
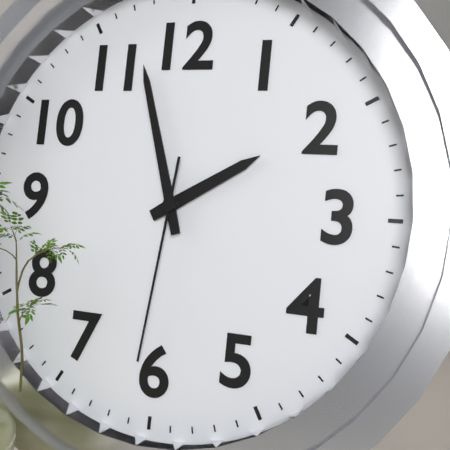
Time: h=1 m=57 s=31
